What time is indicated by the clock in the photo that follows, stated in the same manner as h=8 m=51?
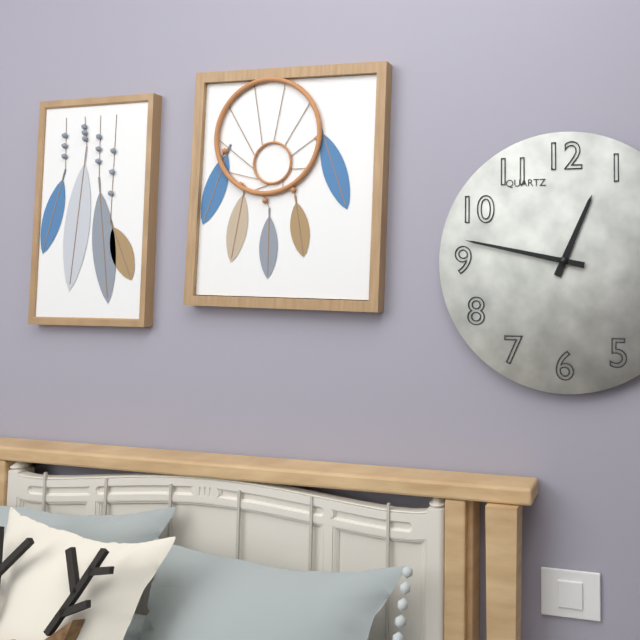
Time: h=12 m=47
